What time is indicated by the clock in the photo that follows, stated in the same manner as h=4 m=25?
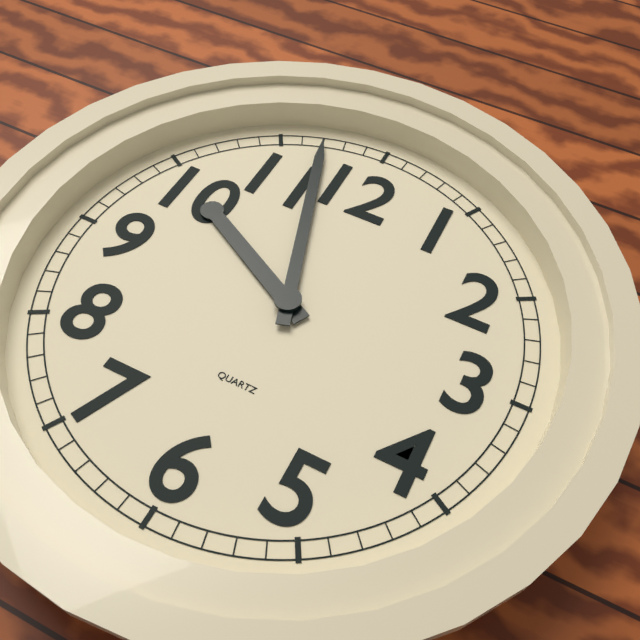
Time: h=9 m=57
